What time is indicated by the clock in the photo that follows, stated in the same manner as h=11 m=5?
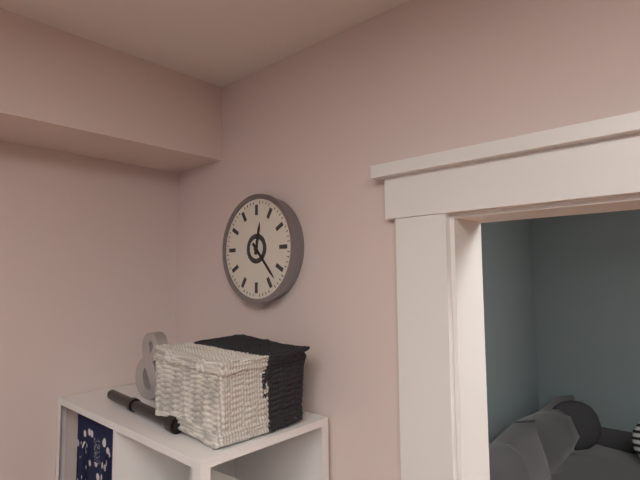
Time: h=12 m=23
